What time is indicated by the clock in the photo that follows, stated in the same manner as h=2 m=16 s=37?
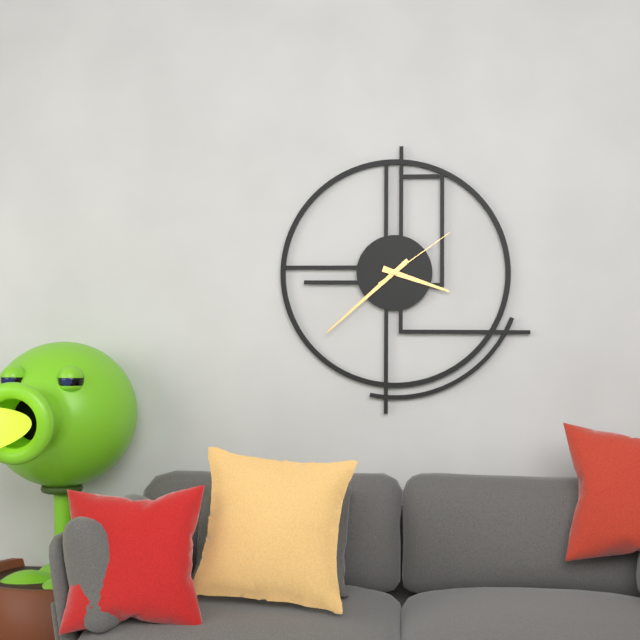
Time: h=3 m=38 s=9
